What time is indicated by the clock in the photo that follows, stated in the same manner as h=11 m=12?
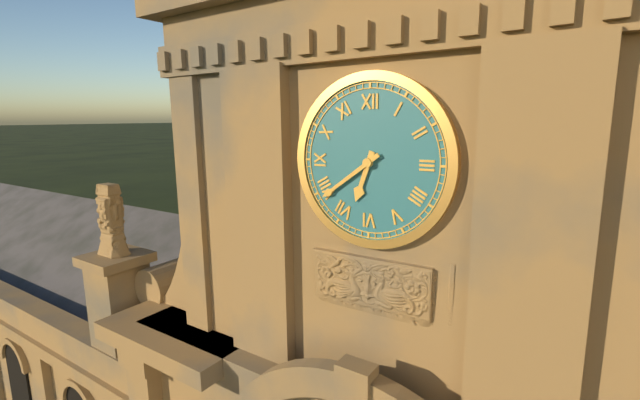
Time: h=6 m=39
